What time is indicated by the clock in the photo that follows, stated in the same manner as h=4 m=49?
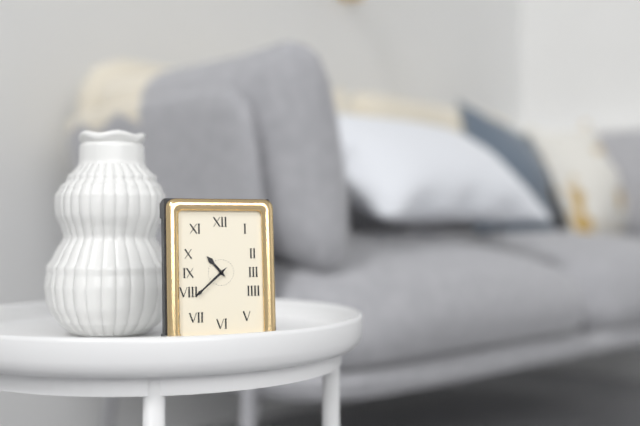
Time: h=10 m=38
